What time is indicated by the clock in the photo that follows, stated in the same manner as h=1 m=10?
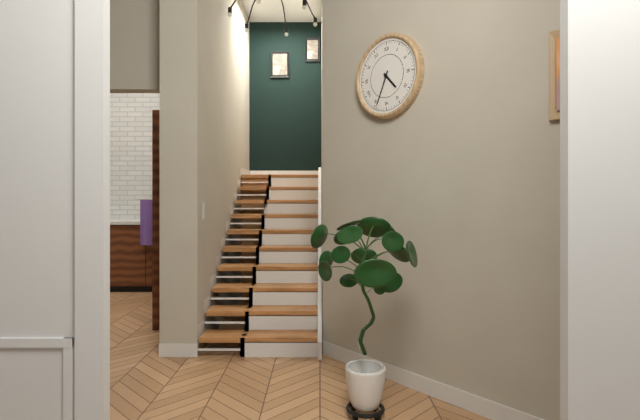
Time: h=4 m=34
